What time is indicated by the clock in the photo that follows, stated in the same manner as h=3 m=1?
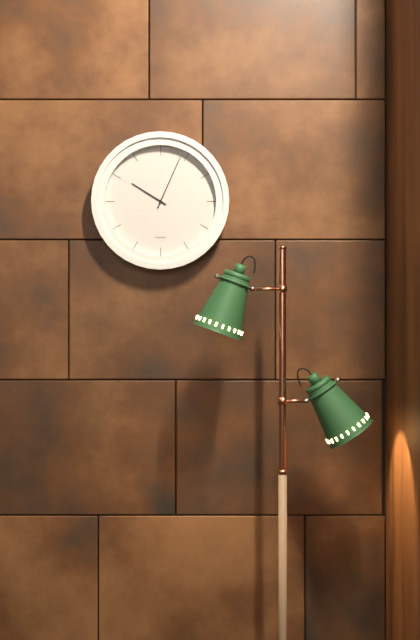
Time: h=10 m=4
